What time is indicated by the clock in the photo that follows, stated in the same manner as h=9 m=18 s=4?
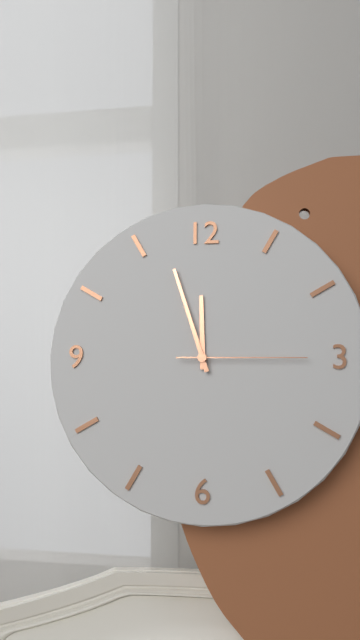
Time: h=11 m=57 s=15
